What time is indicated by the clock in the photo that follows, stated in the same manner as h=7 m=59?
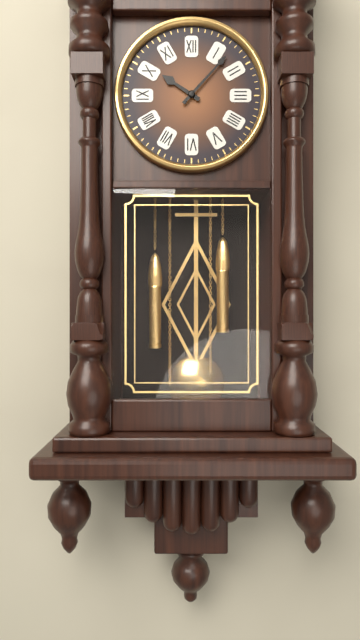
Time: h=10 m=7
